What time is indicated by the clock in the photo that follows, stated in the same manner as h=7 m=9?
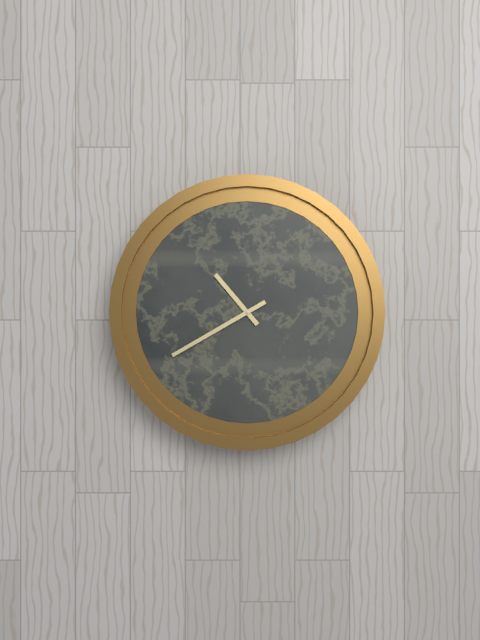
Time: h=10 m=40
